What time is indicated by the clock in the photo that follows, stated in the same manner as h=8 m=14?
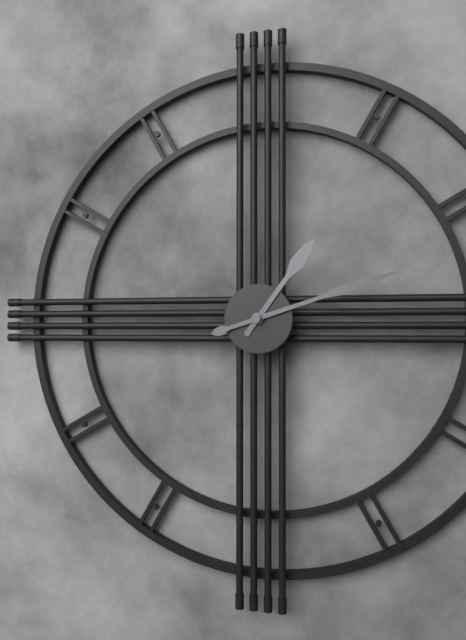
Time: h=1 m=12
